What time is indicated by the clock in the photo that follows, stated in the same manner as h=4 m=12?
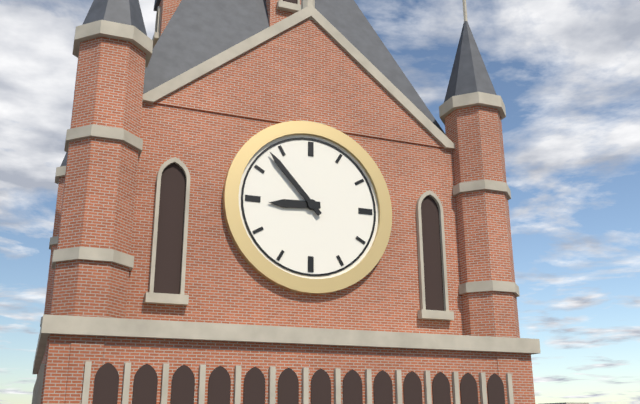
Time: h=8 m=53
